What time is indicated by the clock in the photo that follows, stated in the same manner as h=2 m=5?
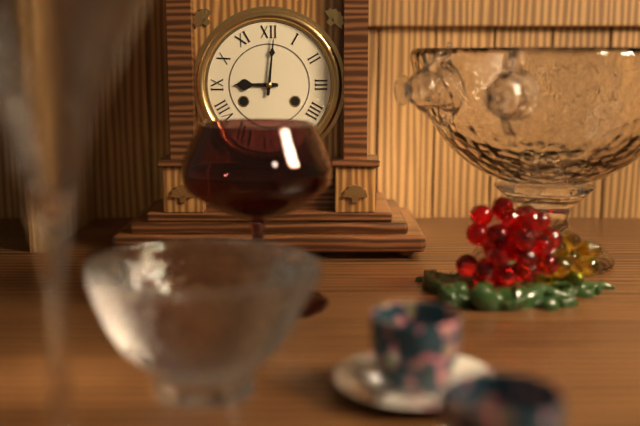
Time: h=9 m=1
